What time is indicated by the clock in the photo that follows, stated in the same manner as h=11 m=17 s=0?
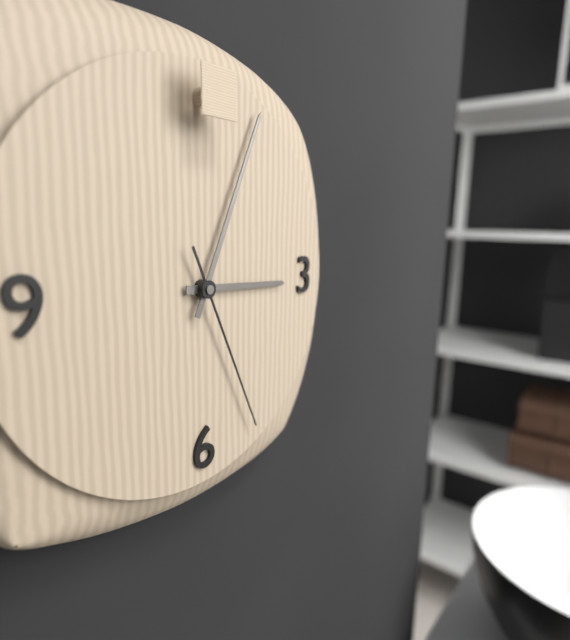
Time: h=3 m=4 s=26
